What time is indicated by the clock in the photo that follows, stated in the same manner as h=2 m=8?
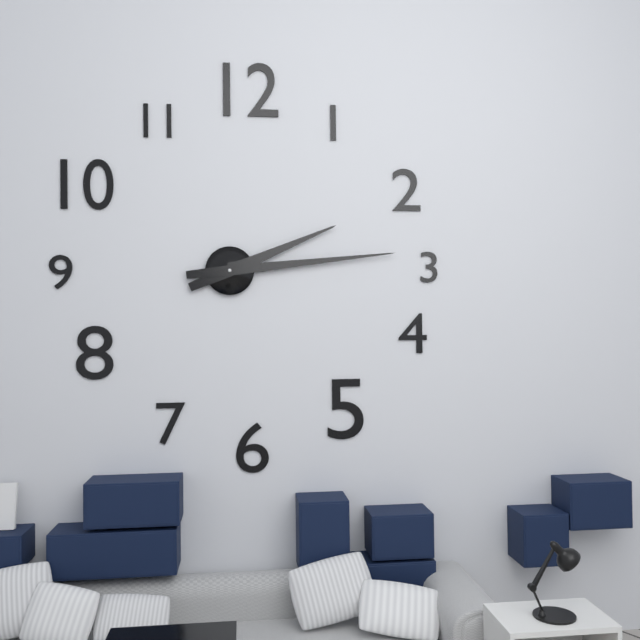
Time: h=2 m=14
